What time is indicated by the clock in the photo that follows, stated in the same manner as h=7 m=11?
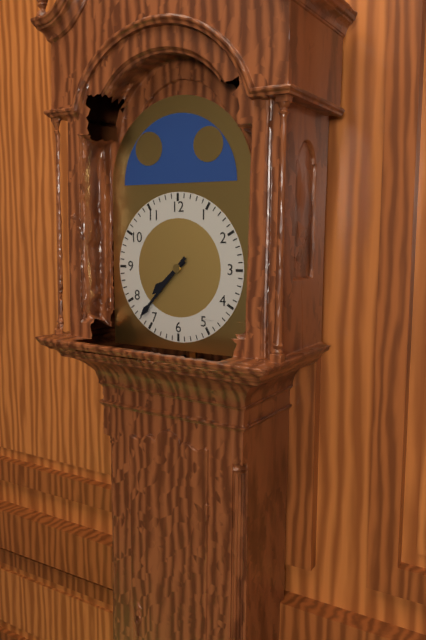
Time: h=7 m=37
